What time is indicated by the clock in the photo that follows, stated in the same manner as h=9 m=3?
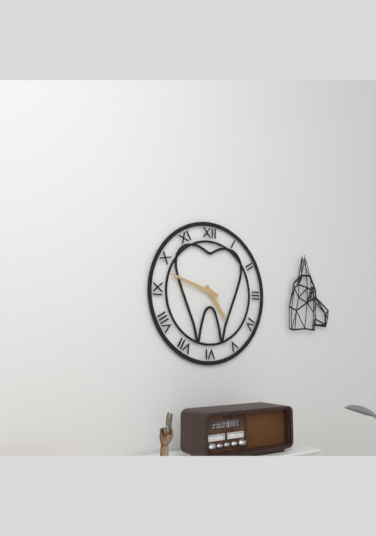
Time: h=4 m=48
